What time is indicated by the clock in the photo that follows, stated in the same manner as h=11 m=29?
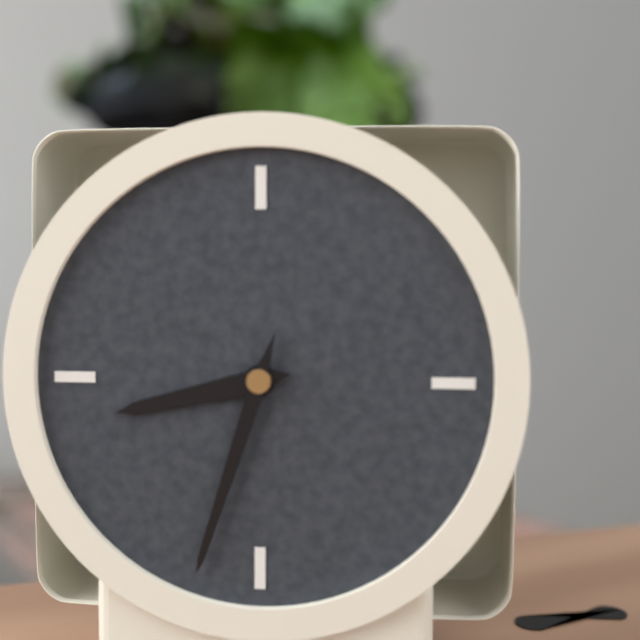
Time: h=8 m=33
